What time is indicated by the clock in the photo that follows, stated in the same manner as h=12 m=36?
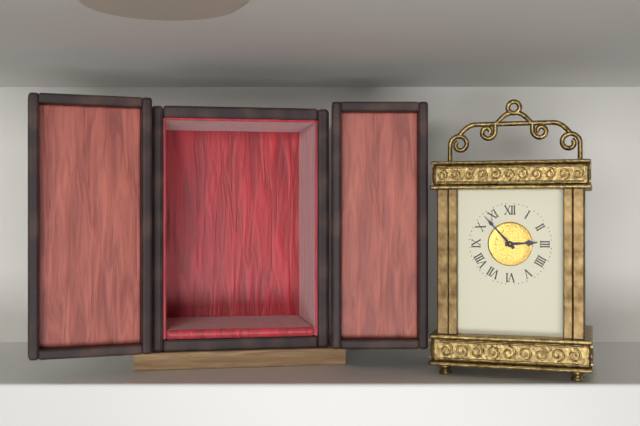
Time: h=2 m=53
